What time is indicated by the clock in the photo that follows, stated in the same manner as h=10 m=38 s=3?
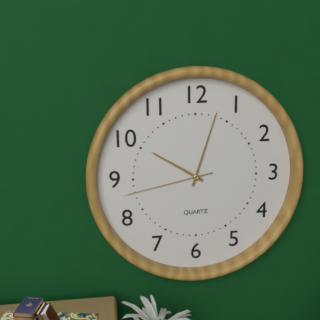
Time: h=10 m=3 s=43
